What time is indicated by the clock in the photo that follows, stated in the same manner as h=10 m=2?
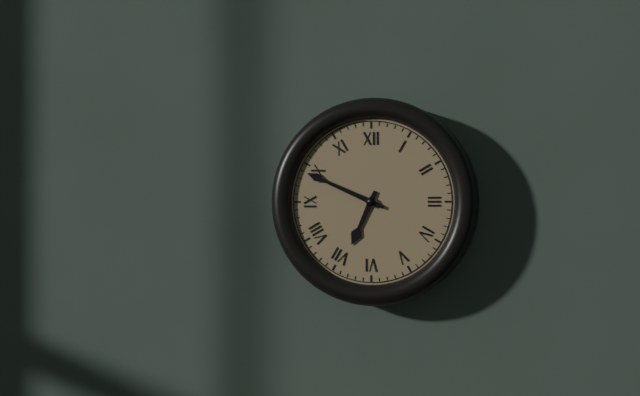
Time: h=6 m=49
